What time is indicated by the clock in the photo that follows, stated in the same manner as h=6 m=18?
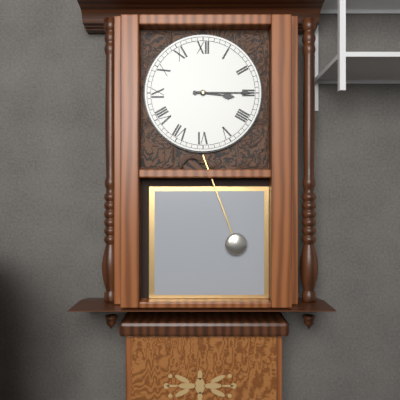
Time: h=3 m=15
